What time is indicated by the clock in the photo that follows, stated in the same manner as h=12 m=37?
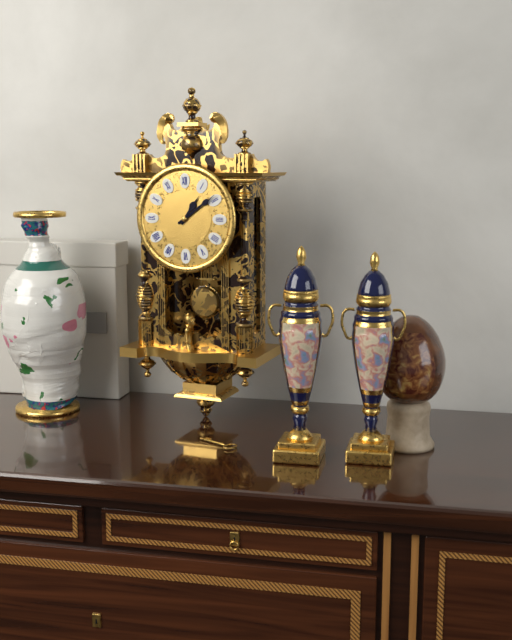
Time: h=1 m=9
